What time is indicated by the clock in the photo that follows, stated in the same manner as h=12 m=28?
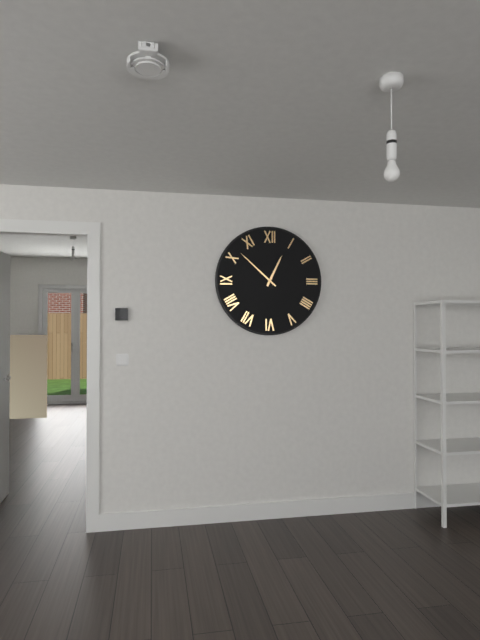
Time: h=12 m=52
